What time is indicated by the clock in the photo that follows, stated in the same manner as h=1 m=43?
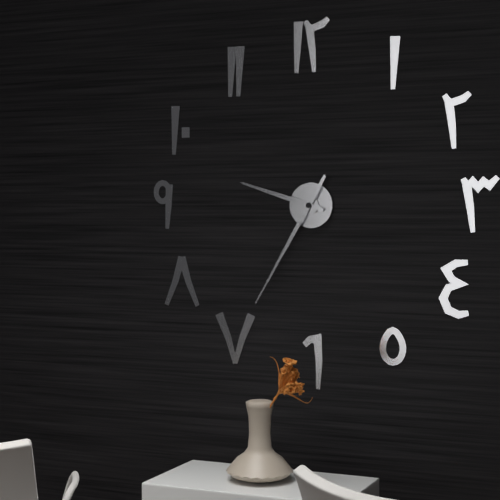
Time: h=9 m=35
